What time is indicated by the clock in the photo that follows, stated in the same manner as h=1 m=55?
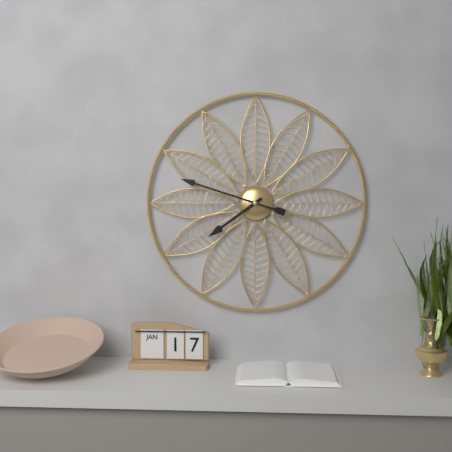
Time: h=7 m=48
